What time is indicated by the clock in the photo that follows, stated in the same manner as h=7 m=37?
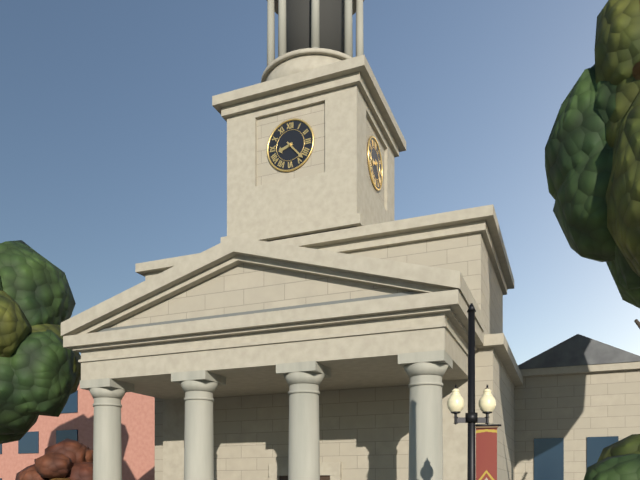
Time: h=8 m=23
